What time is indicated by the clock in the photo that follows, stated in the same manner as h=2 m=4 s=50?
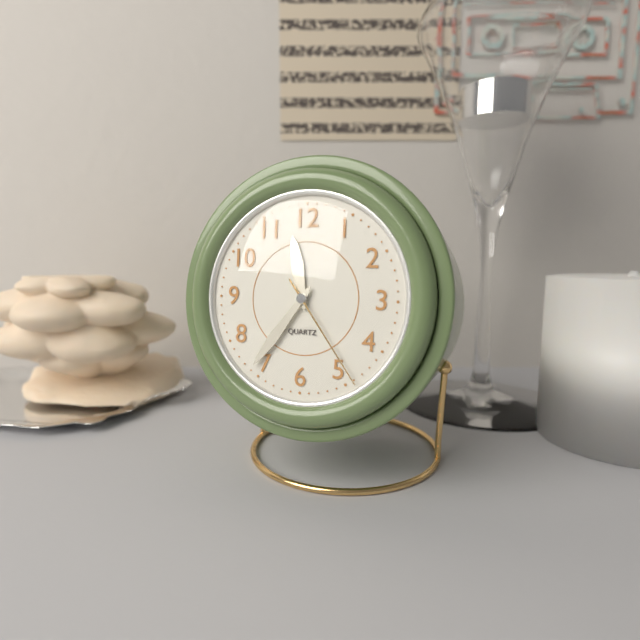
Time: h=11 m=36 s=24
